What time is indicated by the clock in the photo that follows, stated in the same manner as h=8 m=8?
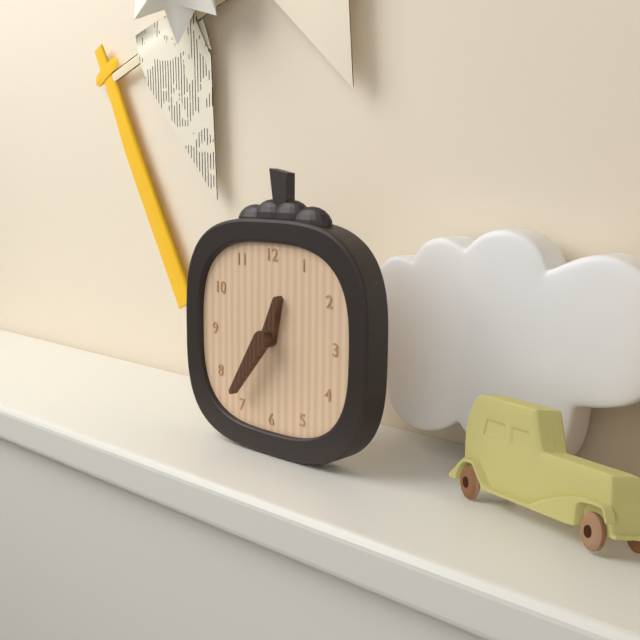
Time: h=12 m=36
